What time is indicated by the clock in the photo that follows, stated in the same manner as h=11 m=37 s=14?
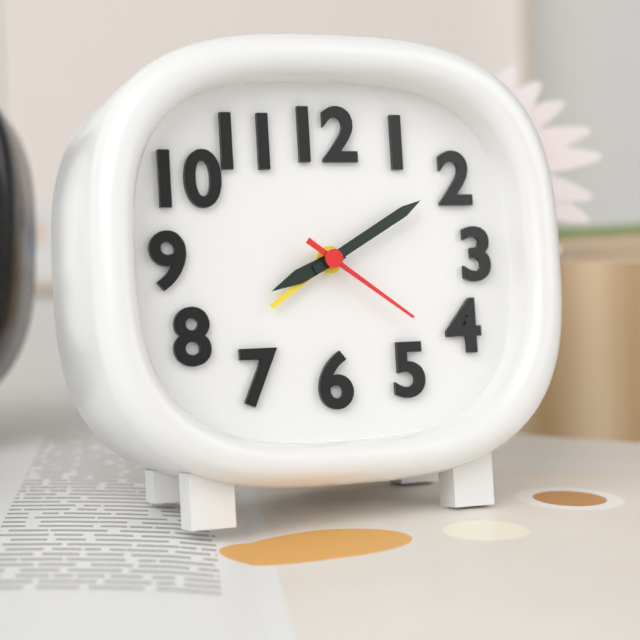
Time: h=8 m=10 s=21
